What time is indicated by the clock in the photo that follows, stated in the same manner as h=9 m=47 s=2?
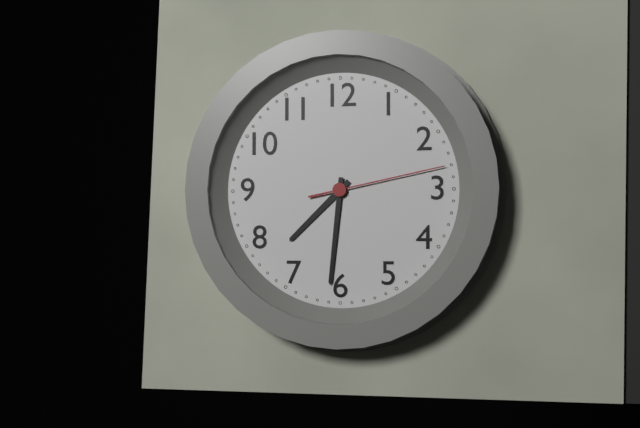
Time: h=7 m=31 s=13
